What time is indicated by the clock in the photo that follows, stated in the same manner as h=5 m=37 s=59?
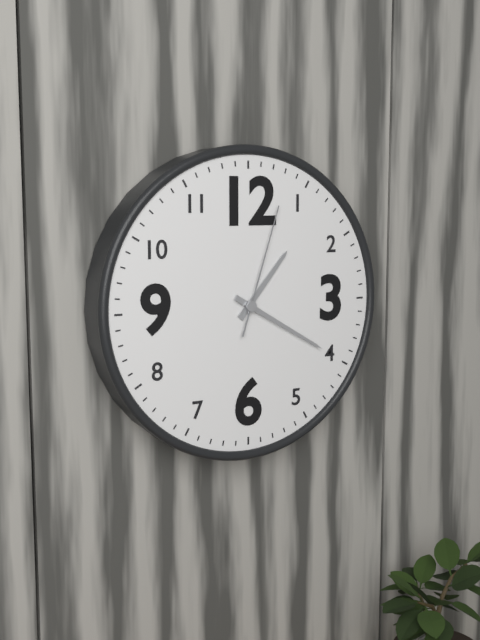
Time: h=1 m=20 s=3
